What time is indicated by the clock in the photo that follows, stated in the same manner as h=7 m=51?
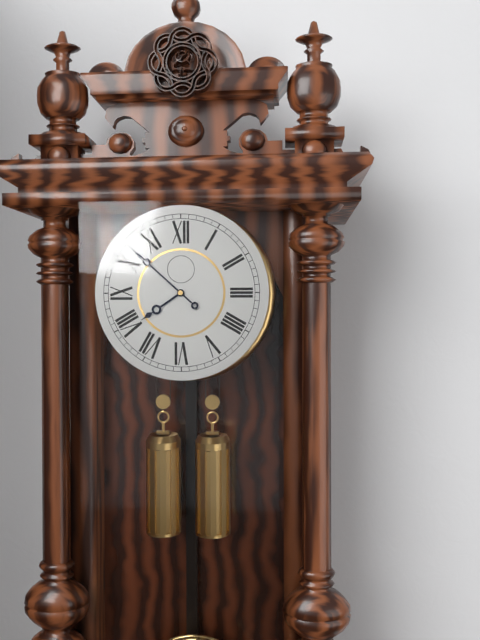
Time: h=7 m=52
